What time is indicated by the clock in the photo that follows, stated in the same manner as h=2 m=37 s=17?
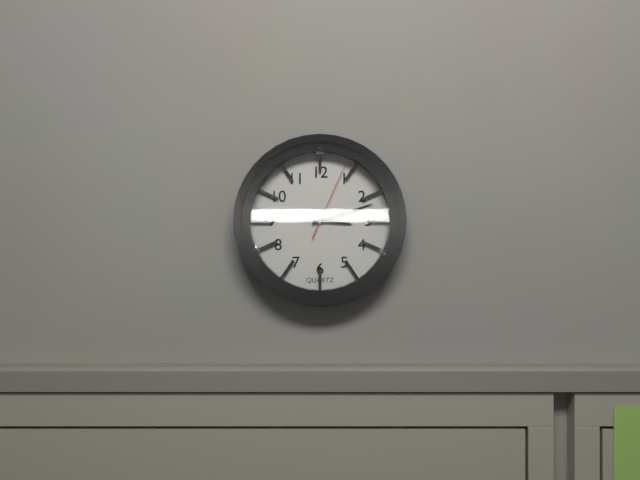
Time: h=3 m=12 s=4
